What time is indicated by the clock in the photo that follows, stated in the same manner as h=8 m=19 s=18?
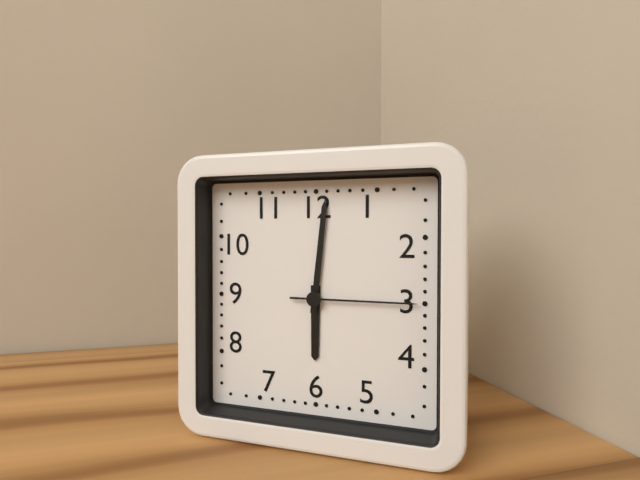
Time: h=6 m=1 s=15
